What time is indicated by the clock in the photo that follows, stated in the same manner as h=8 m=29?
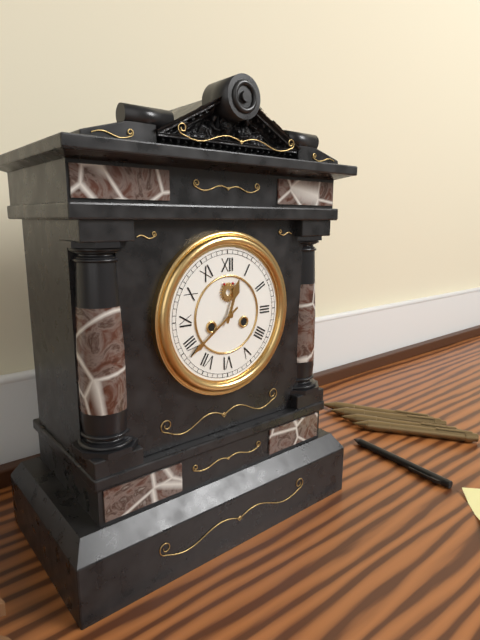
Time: h=12 m=39
